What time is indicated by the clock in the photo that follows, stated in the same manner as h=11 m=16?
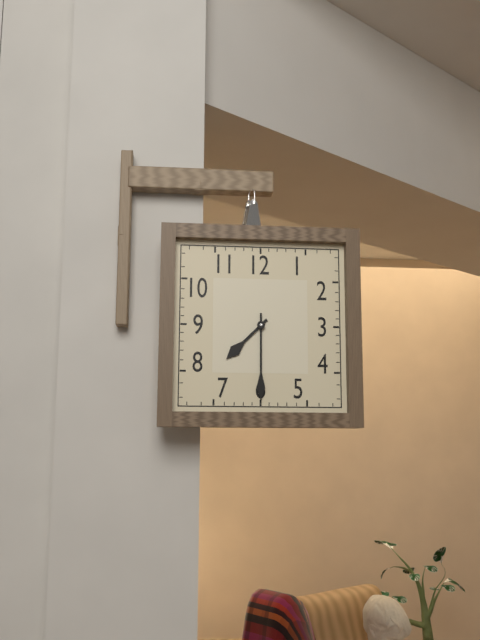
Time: h=7 m=30
